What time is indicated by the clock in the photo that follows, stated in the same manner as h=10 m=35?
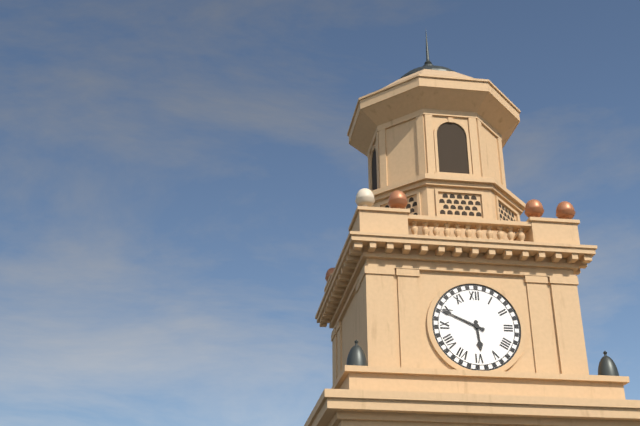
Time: h=5 m=49
